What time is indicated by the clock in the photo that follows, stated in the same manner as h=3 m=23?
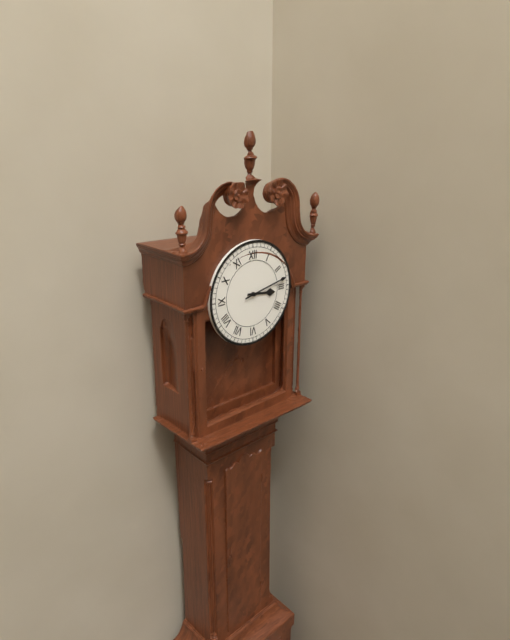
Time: h=3 m=13
